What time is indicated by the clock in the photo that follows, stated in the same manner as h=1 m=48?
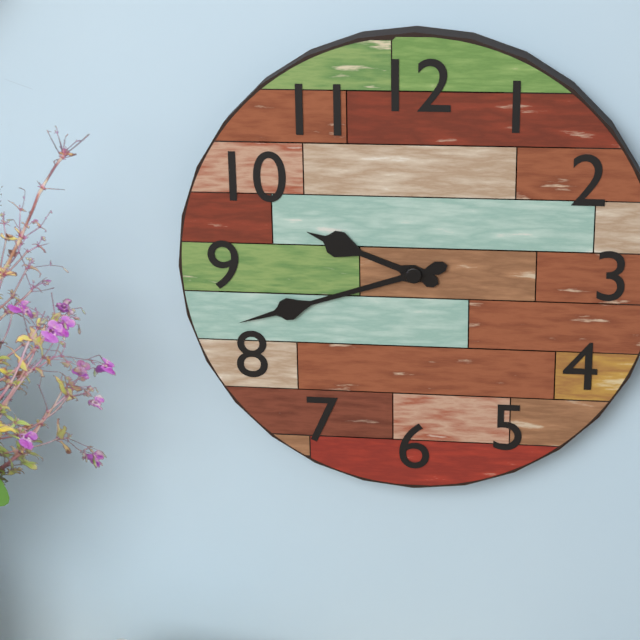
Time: h=9 m=42
